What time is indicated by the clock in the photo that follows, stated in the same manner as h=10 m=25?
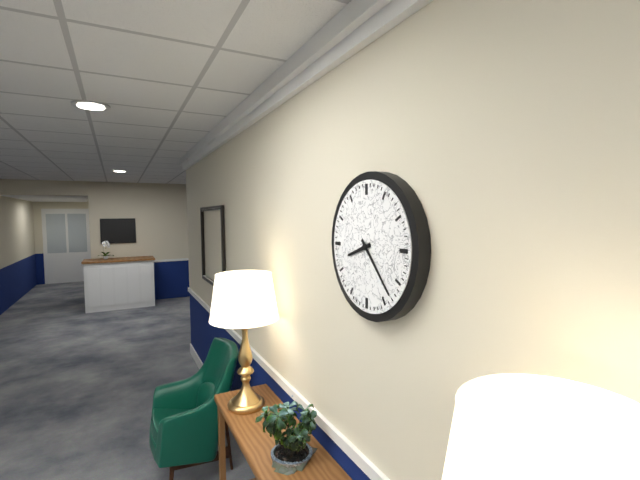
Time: h=8 m=23
